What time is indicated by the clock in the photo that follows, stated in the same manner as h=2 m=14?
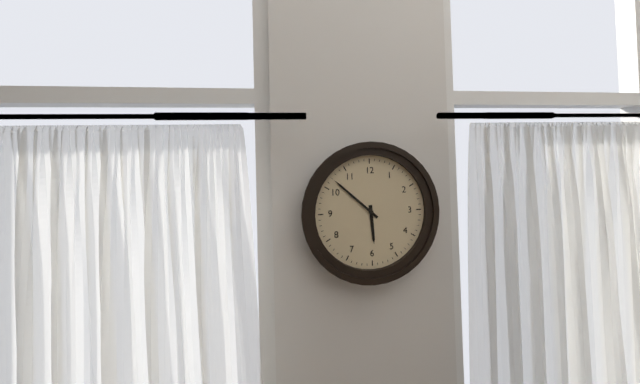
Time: h=5 m=52
